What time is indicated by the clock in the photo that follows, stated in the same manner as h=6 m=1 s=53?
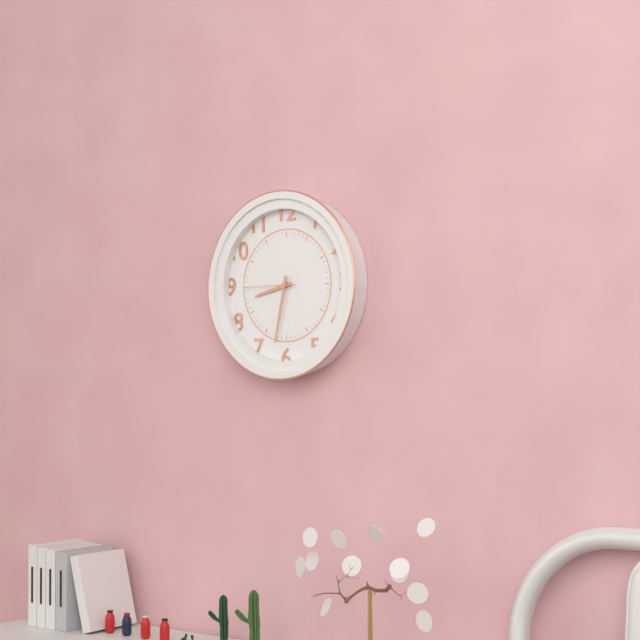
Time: h=8 m=32 s=45
